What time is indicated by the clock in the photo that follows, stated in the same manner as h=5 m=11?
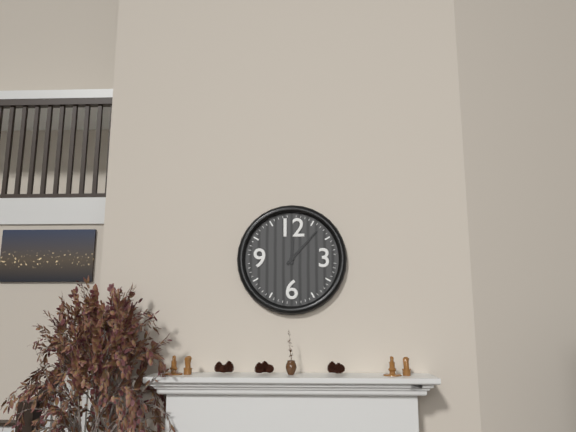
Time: h=12 m=7
